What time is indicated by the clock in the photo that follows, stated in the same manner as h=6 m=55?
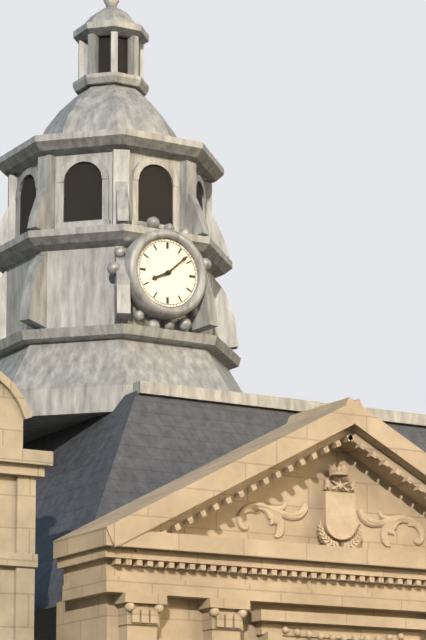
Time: h=8 m=8
